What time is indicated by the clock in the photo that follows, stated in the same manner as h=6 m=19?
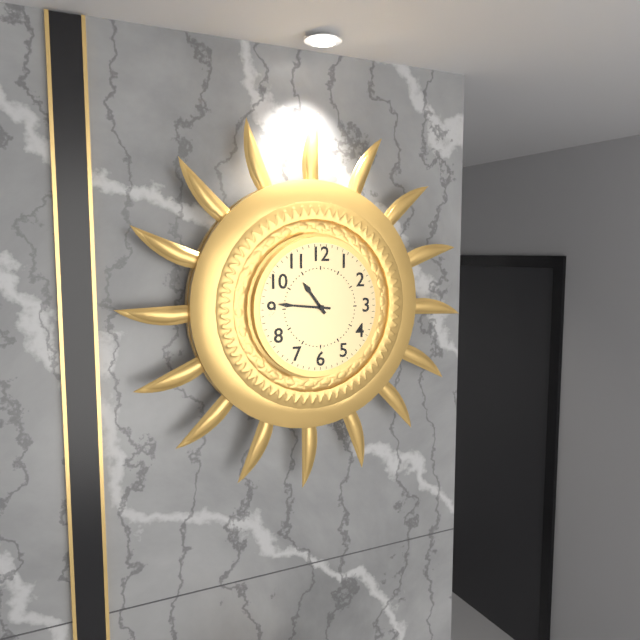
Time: h=10 m=46
